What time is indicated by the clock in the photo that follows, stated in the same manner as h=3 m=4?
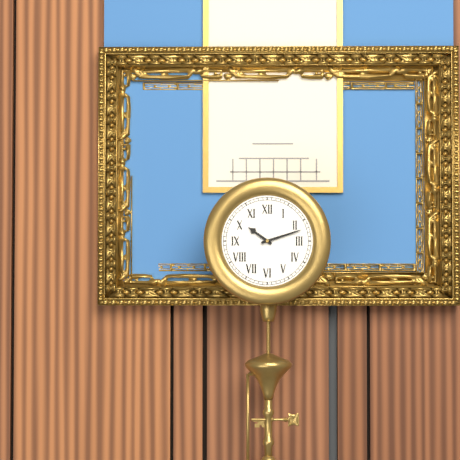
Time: h=10 m=12
